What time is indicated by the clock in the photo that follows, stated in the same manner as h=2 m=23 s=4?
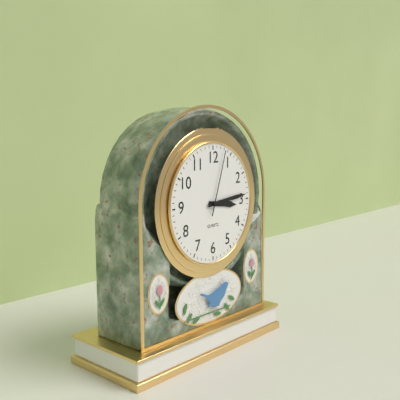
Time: h=3 m=14 s=3
